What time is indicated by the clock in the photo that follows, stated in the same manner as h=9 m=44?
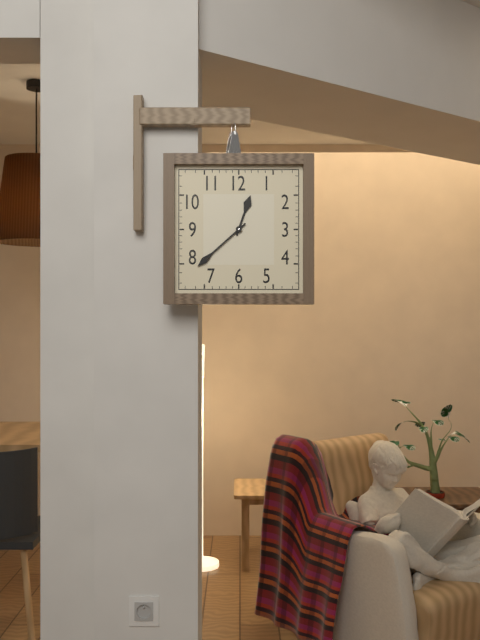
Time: h=12 m=38
